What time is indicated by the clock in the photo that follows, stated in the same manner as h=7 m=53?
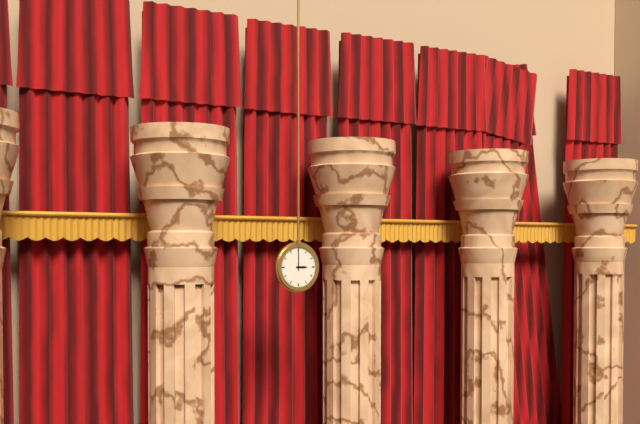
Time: h=3 m=0
